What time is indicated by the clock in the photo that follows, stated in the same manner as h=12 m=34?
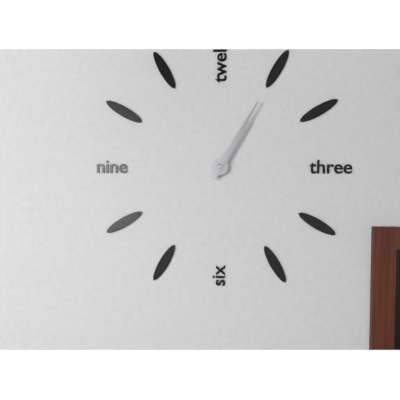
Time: h=1 m=5
